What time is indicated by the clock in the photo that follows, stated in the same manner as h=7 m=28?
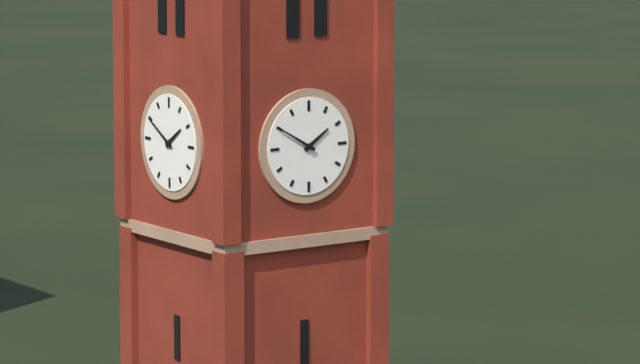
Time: h=1 m=50
